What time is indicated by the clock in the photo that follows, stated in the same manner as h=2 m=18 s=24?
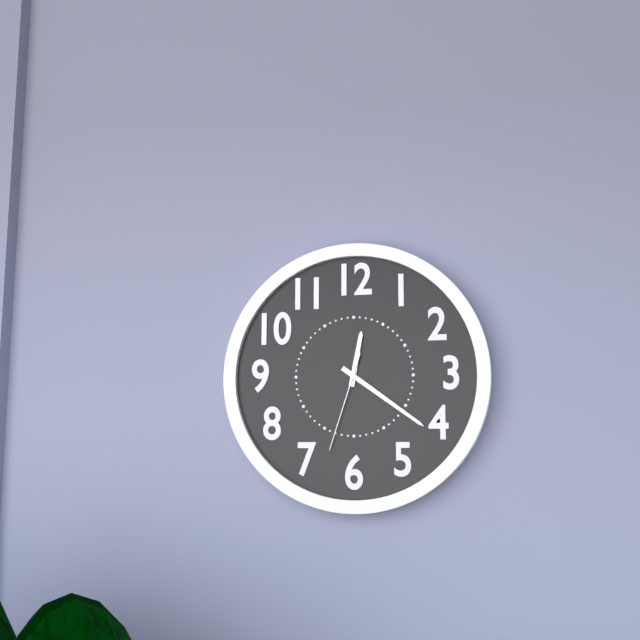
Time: h=12 m=21 s=33
